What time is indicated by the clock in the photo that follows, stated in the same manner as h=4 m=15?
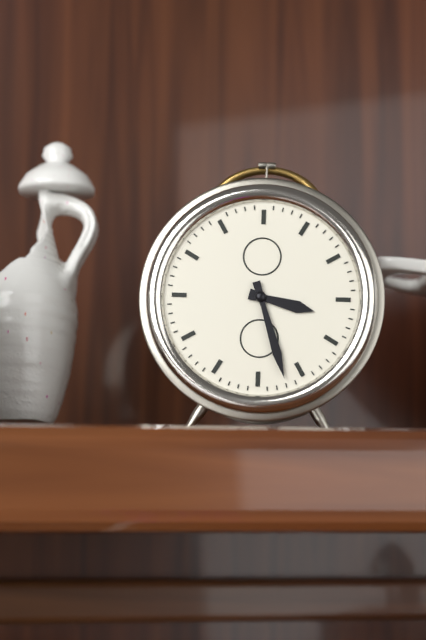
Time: h=3 m=27
